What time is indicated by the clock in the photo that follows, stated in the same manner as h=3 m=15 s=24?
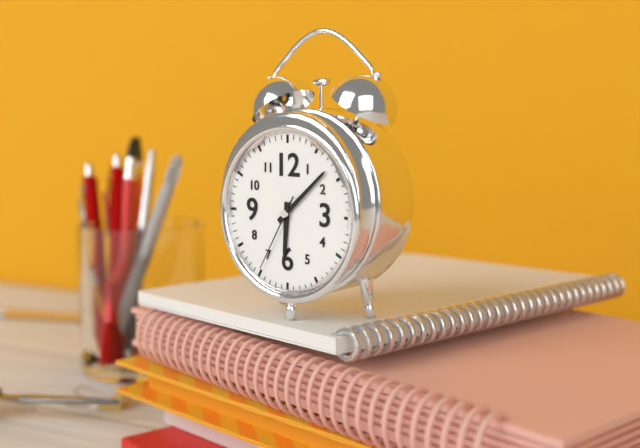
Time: h=6 m=8 s=35
